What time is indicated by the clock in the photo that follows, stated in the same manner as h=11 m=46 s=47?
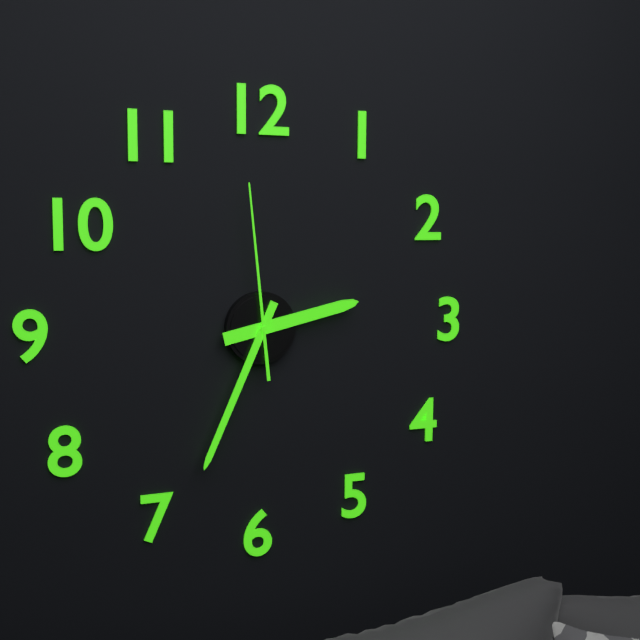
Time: h=2 m=34 s=59
